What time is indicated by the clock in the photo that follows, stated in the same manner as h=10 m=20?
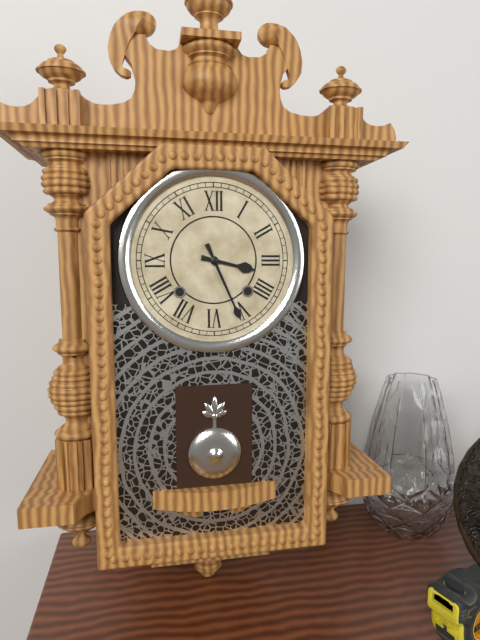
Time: h=3 m=26
